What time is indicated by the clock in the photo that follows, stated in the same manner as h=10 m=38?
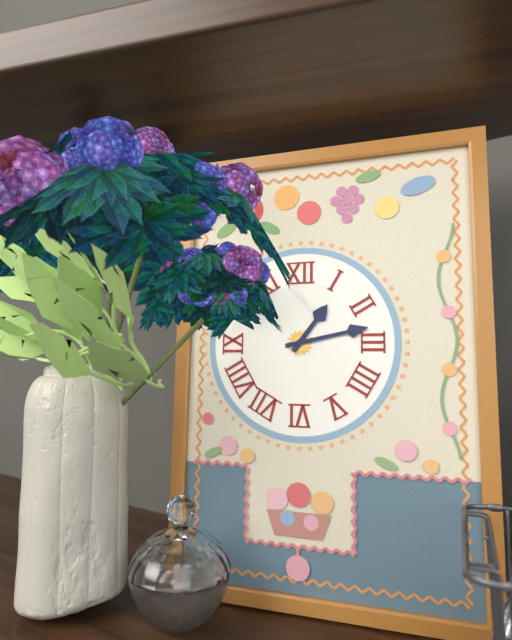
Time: h=1 m=13
